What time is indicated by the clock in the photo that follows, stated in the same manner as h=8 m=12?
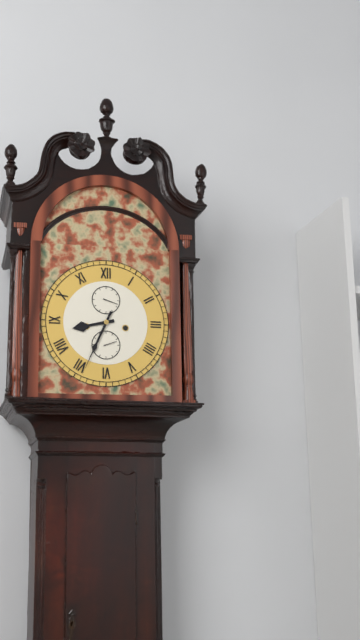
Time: h=8 m=34
